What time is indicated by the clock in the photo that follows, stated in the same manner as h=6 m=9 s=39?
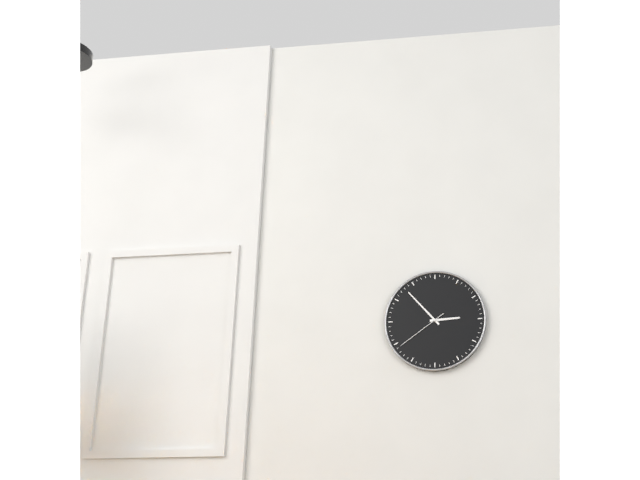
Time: h=2 m=53 s=39
